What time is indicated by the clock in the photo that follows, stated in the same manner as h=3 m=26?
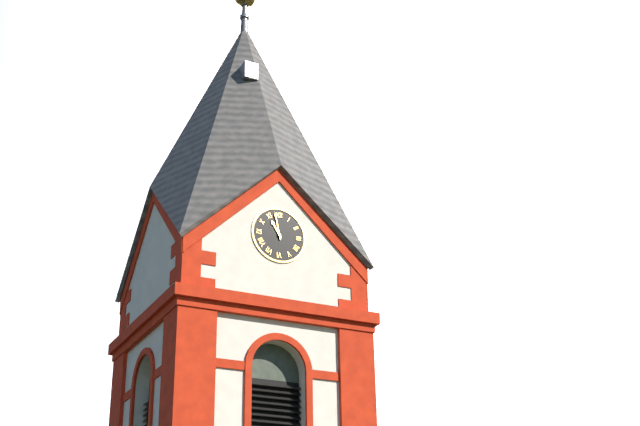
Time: h=10 m=58
